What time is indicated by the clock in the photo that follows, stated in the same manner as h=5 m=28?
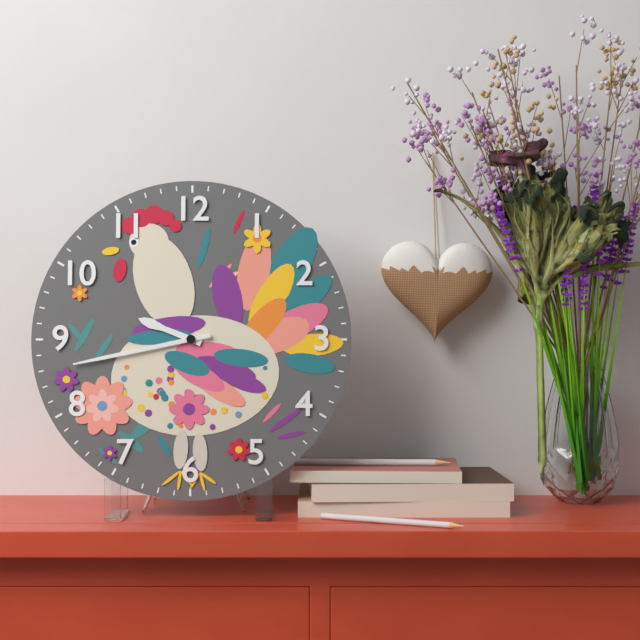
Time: h=9 m=43
